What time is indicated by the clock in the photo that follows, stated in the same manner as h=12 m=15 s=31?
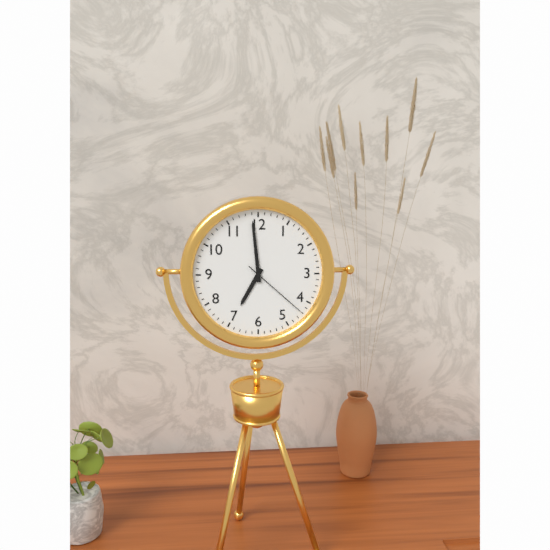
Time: h=6 m=59 s=22
